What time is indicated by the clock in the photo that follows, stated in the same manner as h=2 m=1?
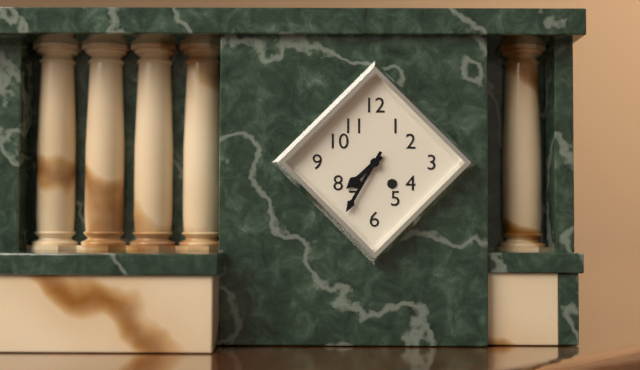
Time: h=7 m=35
